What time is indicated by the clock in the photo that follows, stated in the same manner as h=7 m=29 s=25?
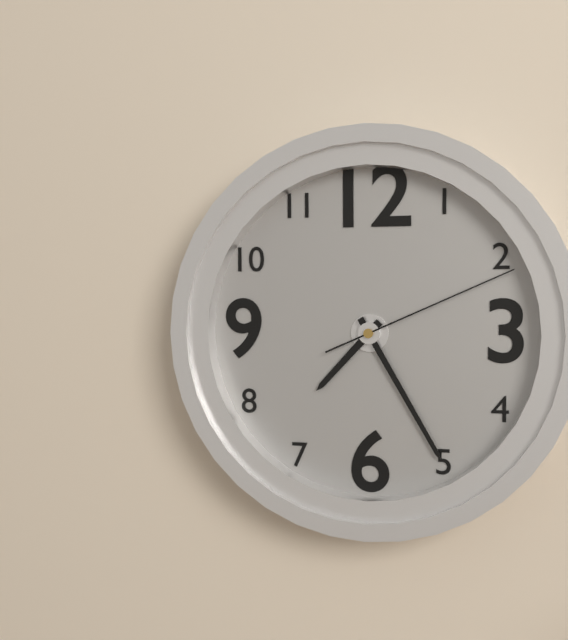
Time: h=7 m=25 s=11
